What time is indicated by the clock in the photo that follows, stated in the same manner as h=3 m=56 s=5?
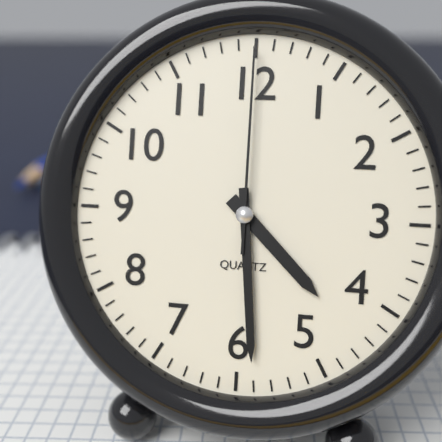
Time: h=4 m=29 s=0
